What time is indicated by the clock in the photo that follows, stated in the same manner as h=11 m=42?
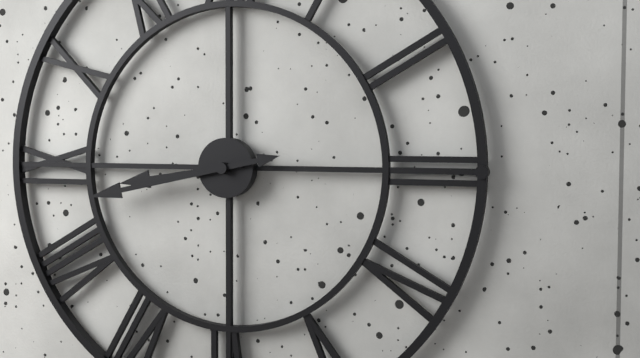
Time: h=8 m=43
